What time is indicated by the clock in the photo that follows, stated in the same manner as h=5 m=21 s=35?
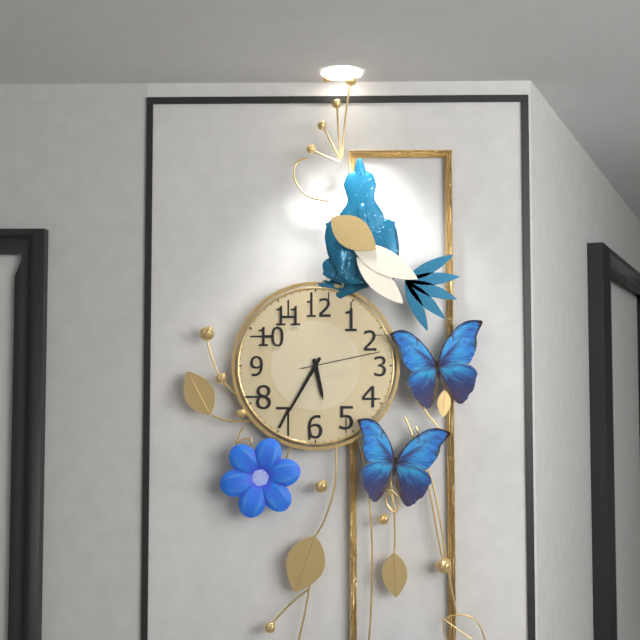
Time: h=5 m=35 s=13
